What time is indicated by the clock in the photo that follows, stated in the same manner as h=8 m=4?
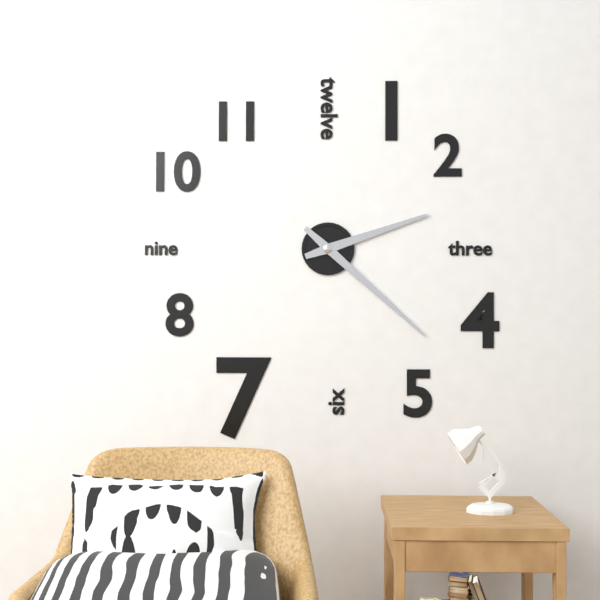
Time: h=2 m=22
